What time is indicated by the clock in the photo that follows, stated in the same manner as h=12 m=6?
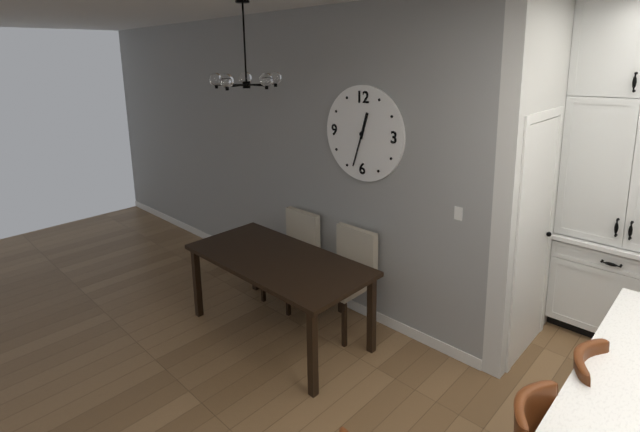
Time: h=12 m=33
